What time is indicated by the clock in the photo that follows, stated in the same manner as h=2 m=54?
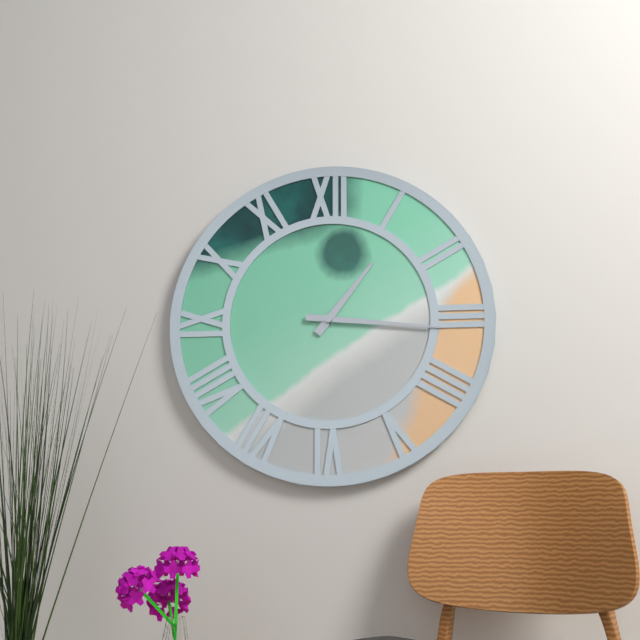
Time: h=1 m=16
